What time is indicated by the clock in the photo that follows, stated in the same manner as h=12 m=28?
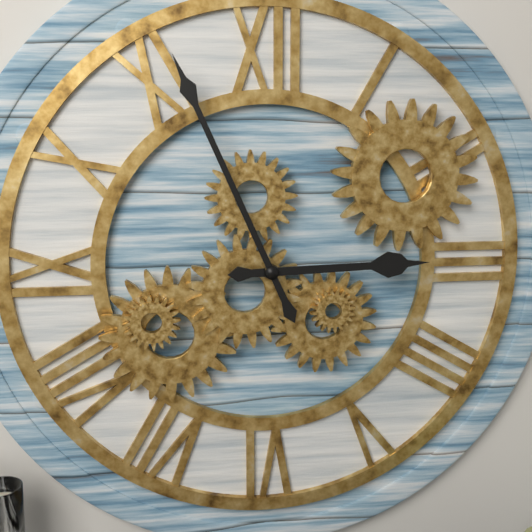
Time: h=2 m=56
